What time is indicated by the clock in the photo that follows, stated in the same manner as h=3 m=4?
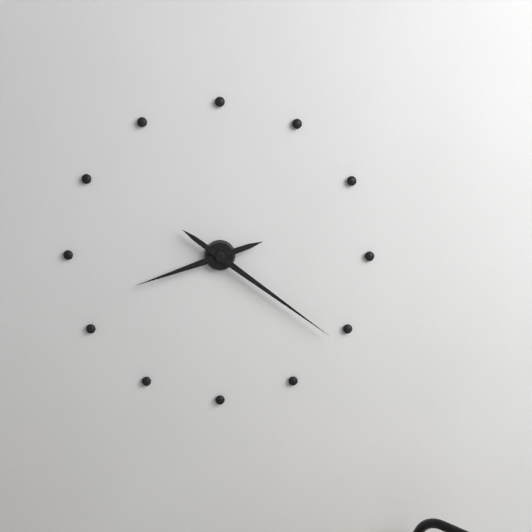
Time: h=8 m=21
